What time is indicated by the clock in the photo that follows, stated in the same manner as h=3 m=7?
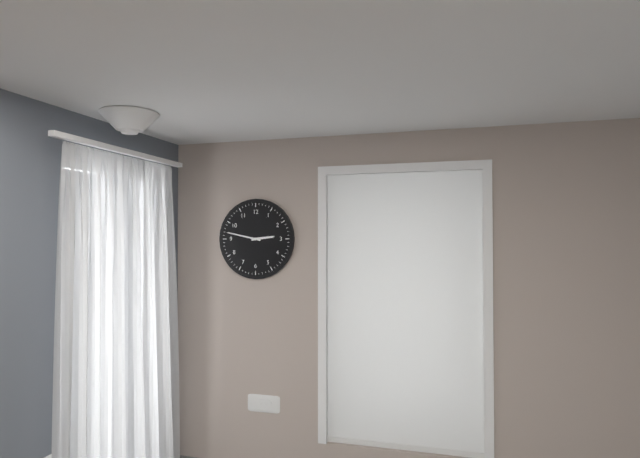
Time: h=2 m=47
